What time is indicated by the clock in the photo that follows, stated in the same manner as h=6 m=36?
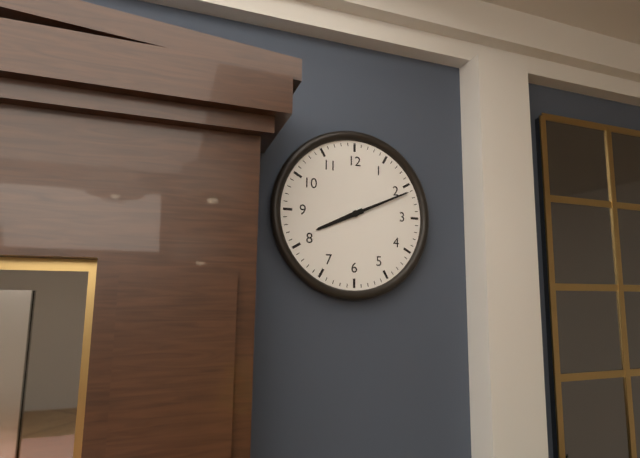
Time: h=8 m=11
